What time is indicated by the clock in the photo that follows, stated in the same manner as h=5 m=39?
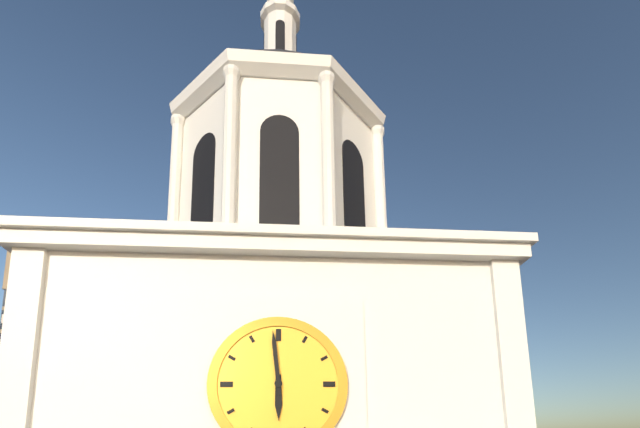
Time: h=5 m=59
